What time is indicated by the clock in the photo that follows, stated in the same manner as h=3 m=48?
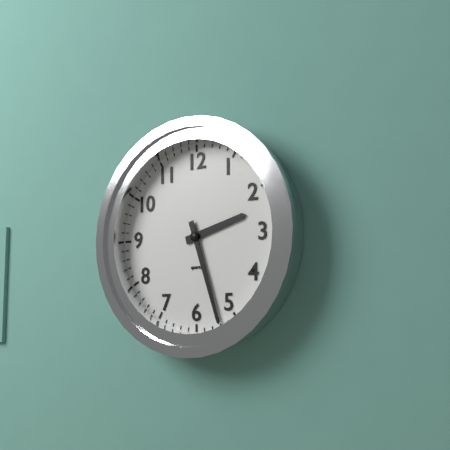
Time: h=2 m=27
